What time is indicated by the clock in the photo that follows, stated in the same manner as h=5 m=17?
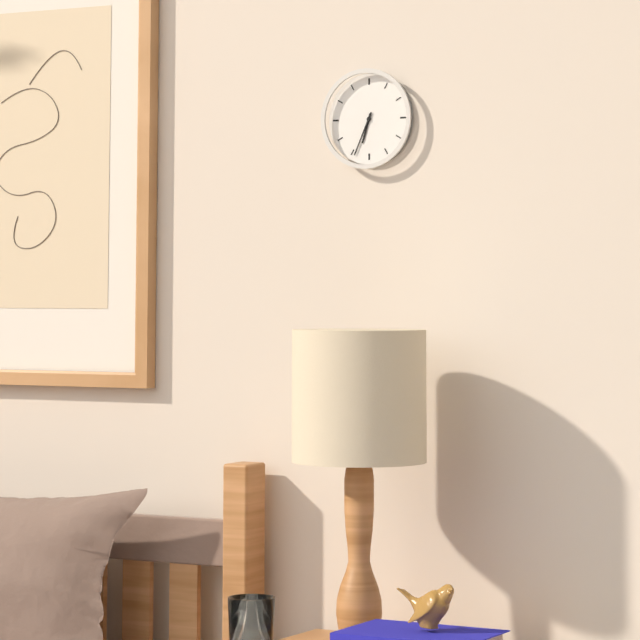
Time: h=6 m=34
